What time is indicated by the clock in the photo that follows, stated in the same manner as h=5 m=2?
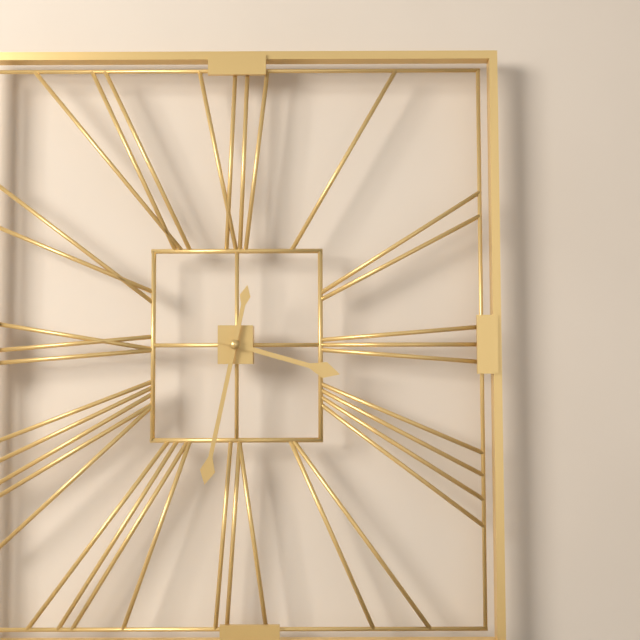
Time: h=3 m=32
